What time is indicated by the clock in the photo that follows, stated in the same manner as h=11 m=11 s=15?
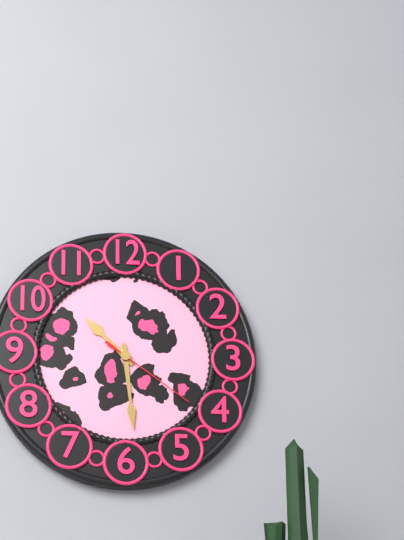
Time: h=10 m=29 s=21
